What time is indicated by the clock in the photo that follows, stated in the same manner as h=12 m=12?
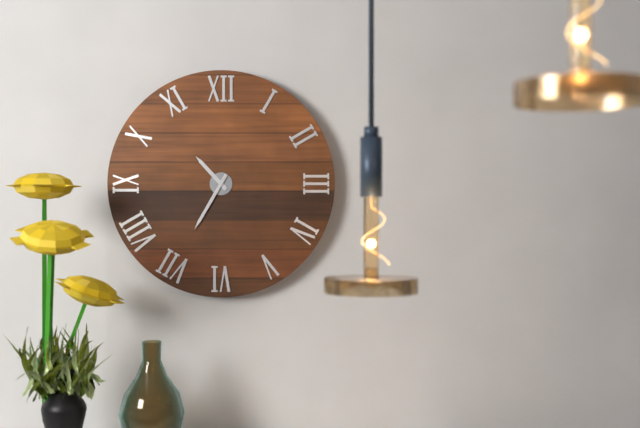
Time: h=10 m=35
